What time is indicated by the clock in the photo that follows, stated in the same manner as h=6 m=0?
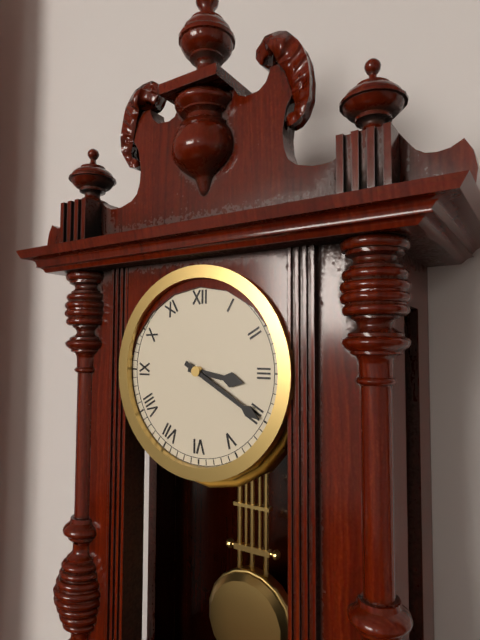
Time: h=3 m=20
